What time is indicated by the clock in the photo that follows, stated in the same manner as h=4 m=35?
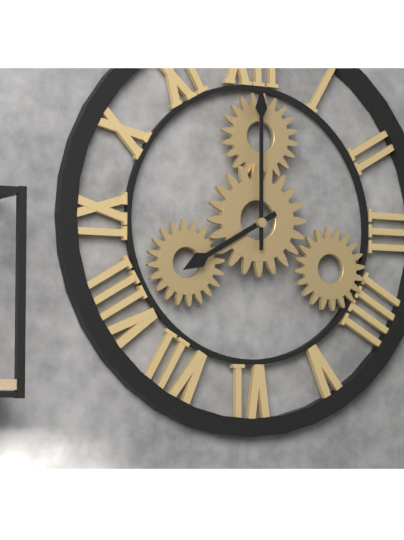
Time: h=8 m=0
